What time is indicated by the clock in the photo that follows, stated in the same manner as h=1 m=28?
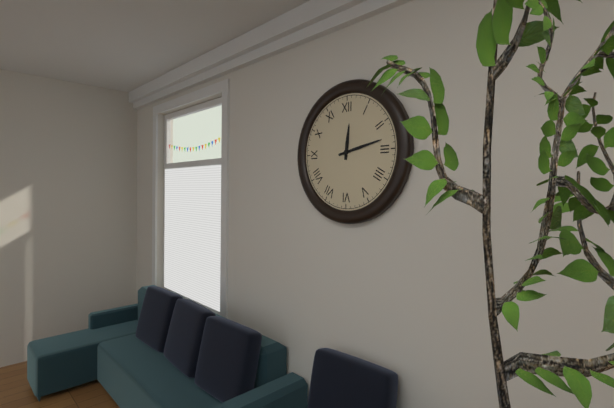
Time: h=12 m=13
